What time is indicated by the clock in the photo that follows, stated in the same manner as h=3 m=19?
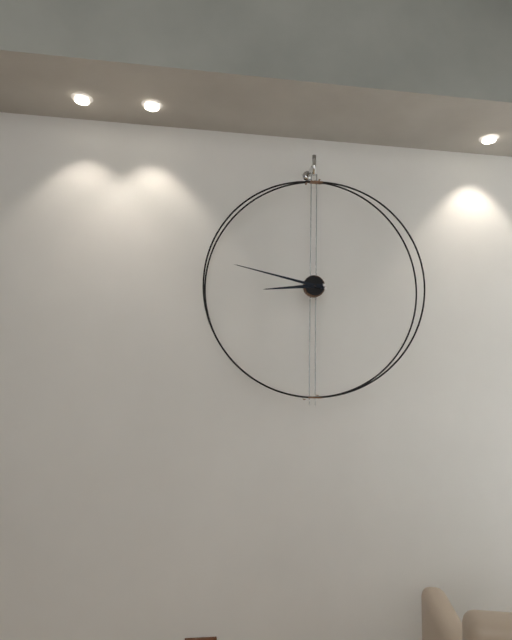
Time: h=8 m=47
